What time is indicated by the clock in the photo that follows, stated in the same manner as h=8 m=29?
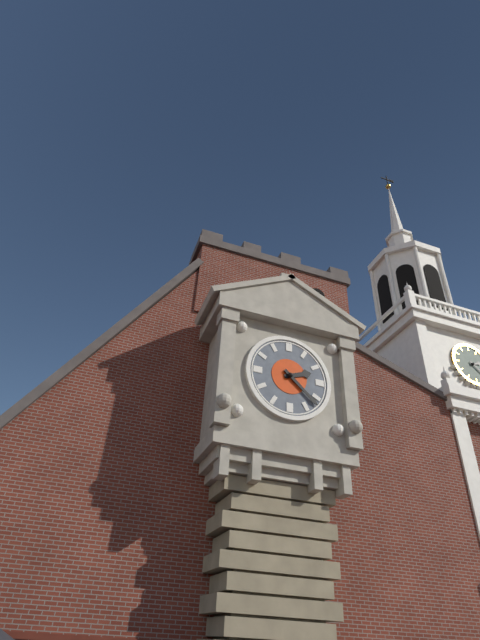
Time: h=2 m=22
